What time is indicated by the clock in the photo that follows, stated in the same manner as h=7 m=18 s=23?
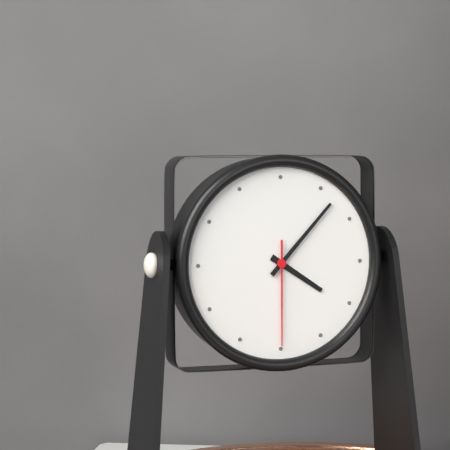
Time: h=4 m=7 s=30
